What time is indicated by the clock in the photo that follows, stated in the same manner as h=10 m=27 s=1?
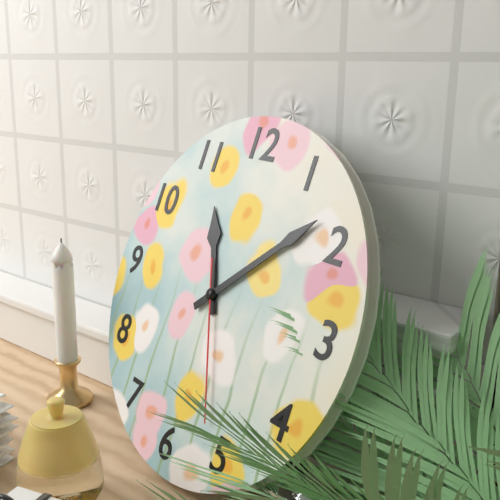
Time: h=11 m=8 s=26
